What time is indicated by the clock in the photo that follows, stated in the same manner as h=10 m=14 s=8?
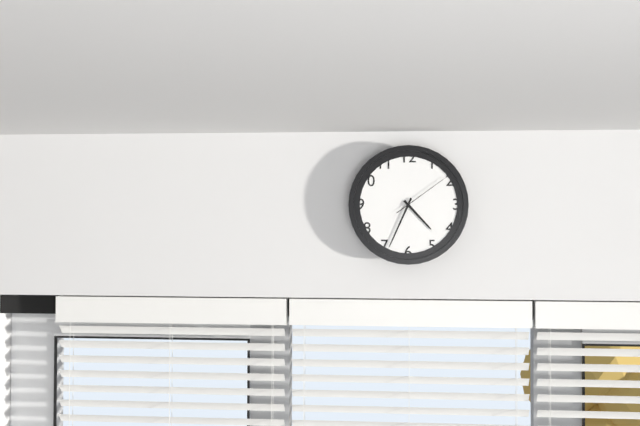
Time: h=4 m=34 s=9
